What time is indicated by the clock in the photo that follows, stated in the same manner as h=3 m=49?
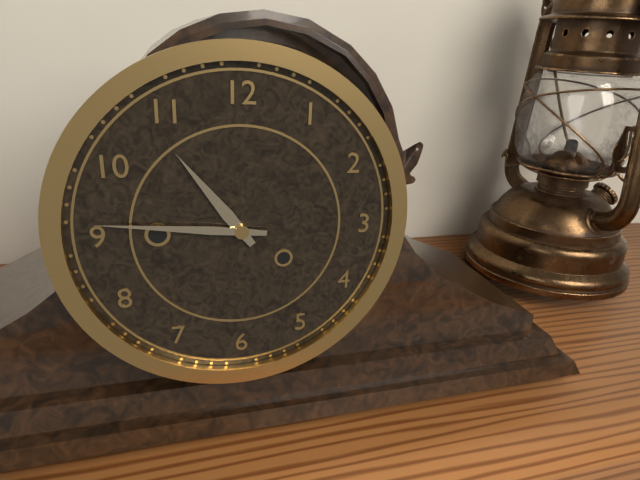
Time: h=10 m=46
